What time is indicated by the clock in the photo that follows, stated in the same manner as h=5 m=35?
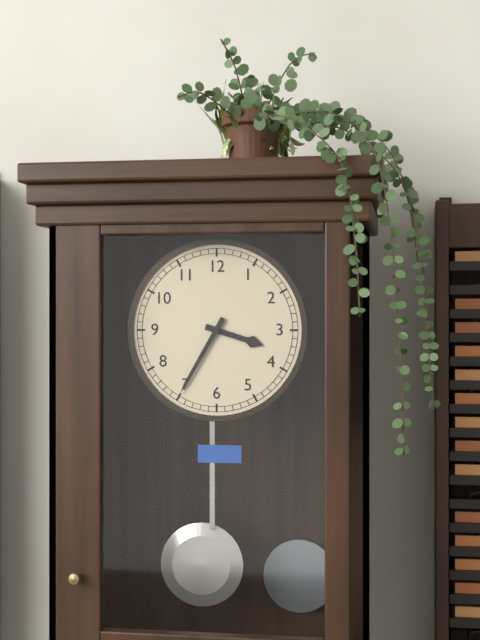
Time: h=3 m=35
